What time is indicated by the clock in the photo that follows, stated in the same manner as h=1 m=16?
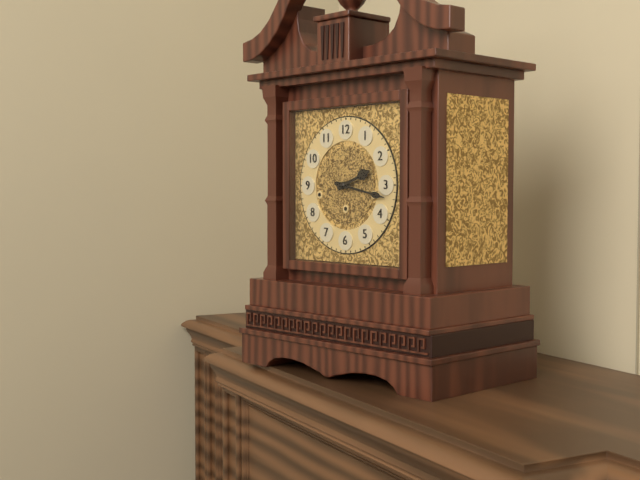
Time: h=2 m=17
